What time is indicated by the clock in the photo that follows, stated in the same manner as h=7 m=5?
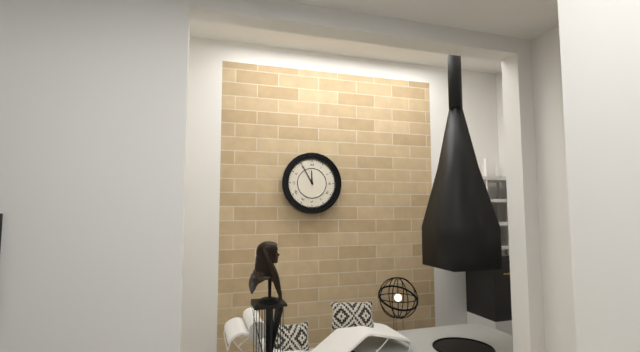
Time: h=11 m=55
